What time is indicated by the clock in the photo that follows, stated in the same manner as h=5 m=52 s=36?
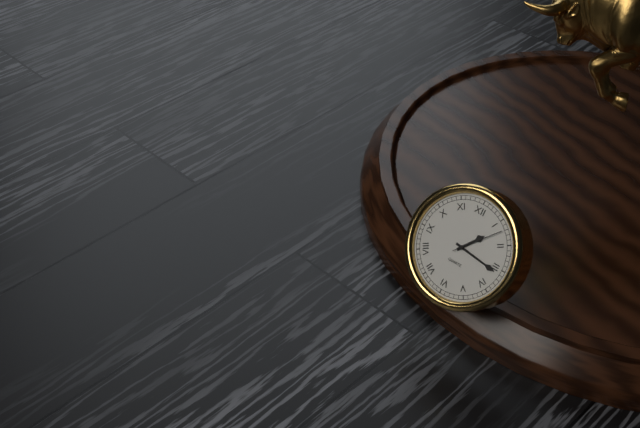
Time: h=1 m=16 s=7
